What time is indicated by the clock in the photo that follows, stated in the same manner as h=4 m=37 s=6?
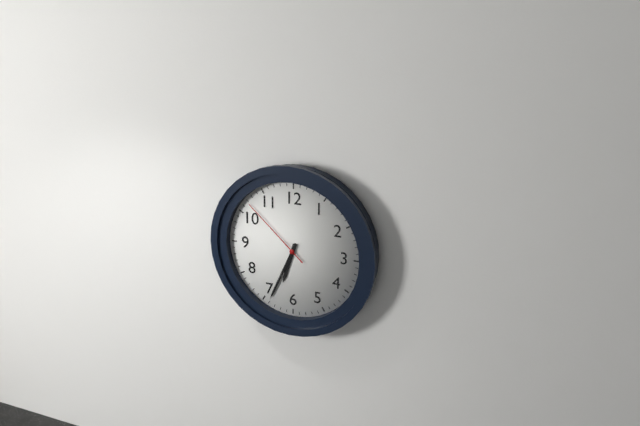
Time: h=6 m=34 s=52
